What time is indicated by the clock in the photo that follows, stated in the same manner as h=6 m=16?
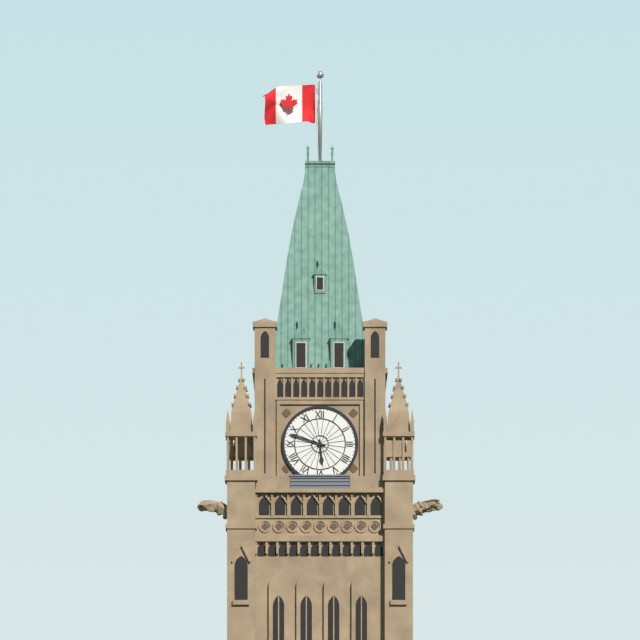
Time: h=5 m=48
